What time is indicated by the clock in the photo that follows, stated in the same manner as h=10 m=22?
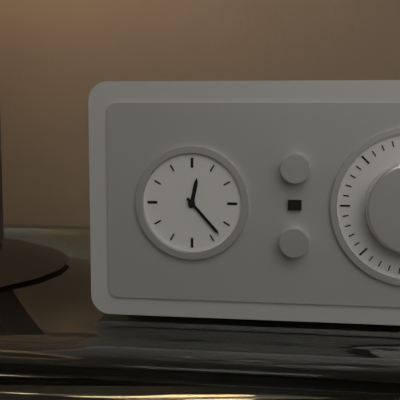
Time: h=12 m=23
